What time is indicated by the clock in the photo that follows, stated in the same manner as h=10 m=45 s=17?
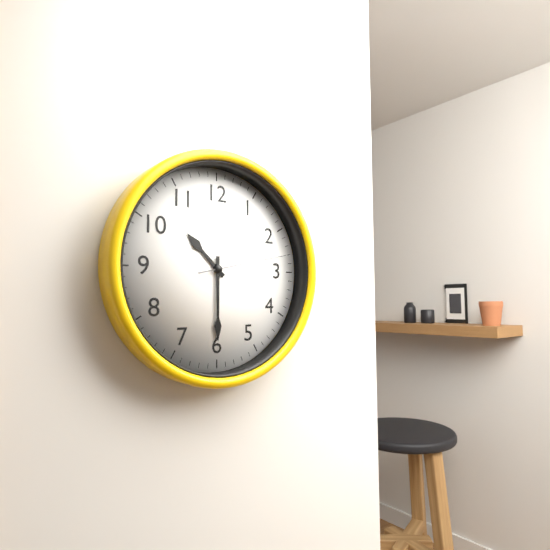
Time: h=10 m=30 s=13
